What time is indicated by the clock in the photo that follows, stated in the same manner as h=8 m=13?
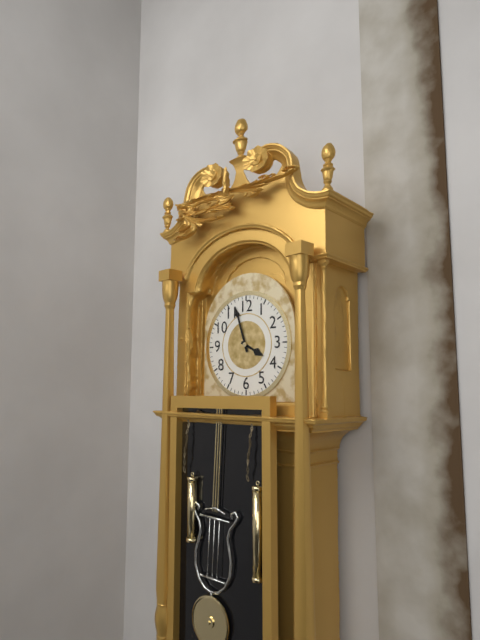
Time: h=3 m=57
